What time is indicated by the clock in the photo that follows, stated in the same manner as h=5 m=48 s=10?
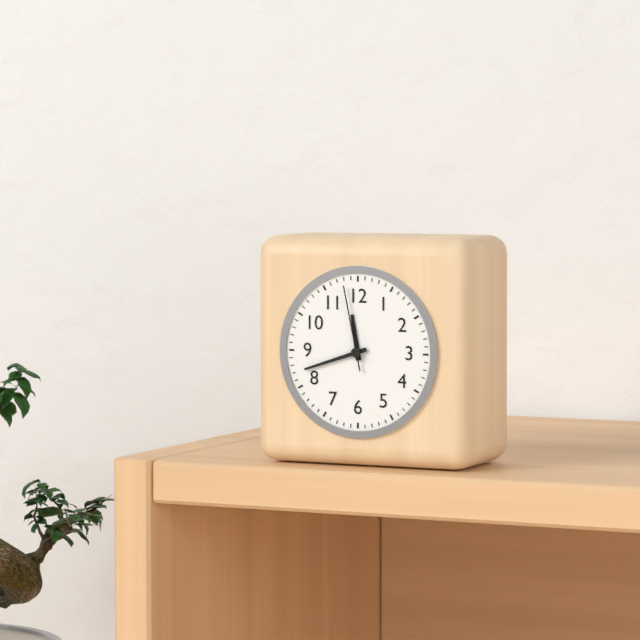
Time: h=11 m=42 s=58
